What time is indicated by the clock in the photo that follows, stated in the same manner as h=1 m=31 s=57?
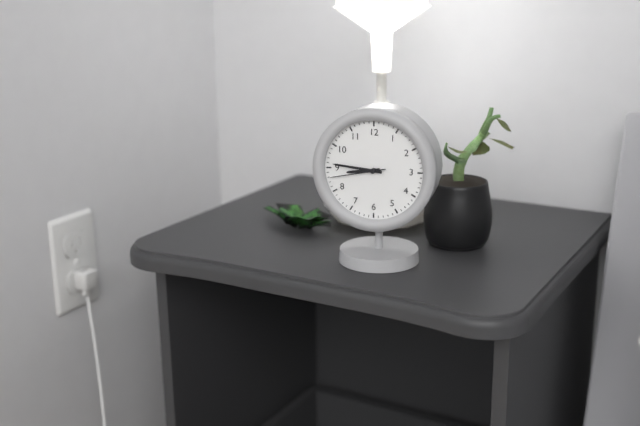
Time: h=8 m=46 s=43
